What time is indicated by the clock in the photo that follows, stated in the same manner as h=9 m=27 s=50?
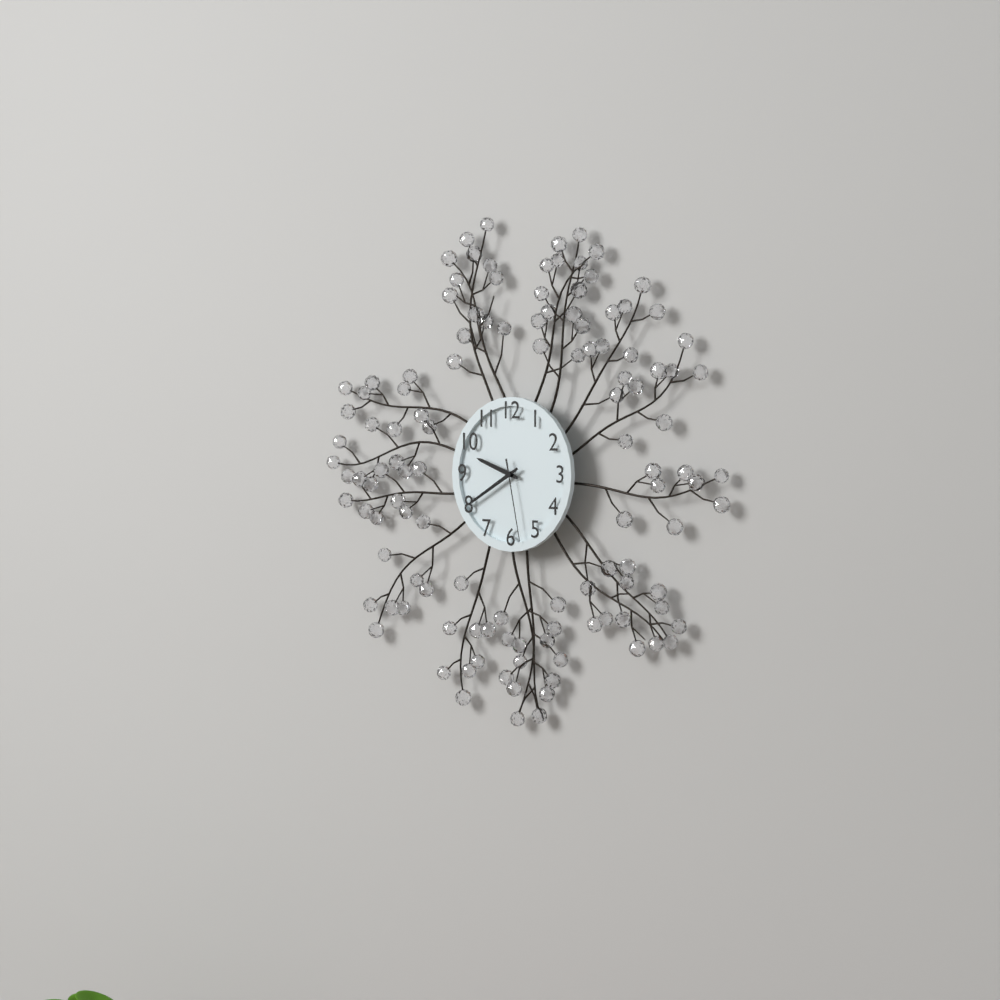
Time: h=9 m=40 s=28
